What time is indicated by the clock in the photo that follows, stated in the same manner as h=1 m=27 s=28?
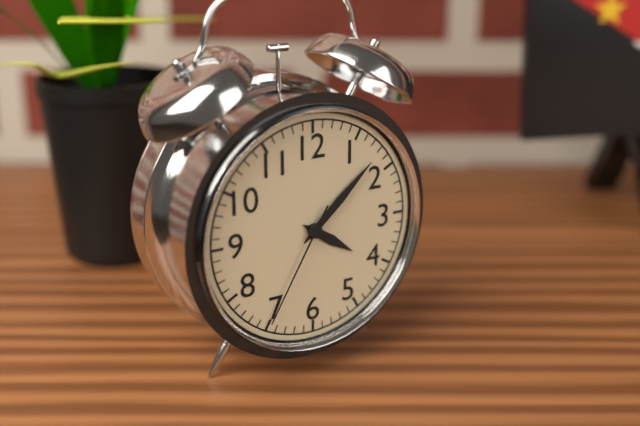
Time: h=4 m=8 s=35
